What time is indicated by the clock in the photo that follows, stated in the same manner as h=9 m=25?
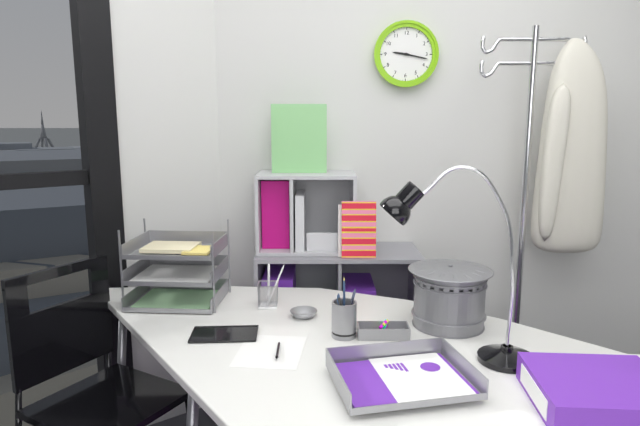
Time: h=9 m=17
